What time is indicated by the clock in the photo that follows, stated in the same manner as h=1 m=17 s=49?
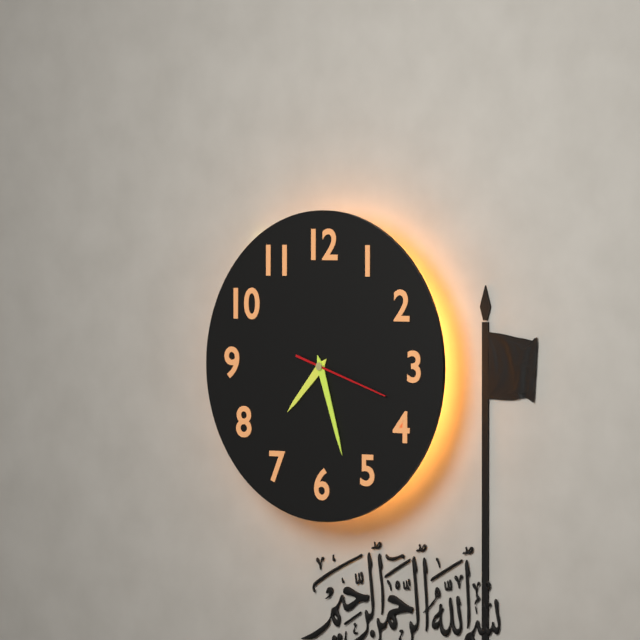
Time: h=7 m=27 s=18
